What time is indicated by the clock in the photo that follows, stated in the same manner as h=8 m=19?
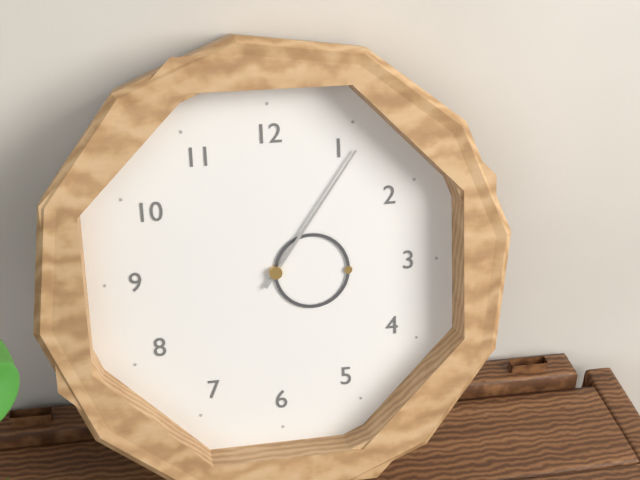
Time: h=3 m=6
